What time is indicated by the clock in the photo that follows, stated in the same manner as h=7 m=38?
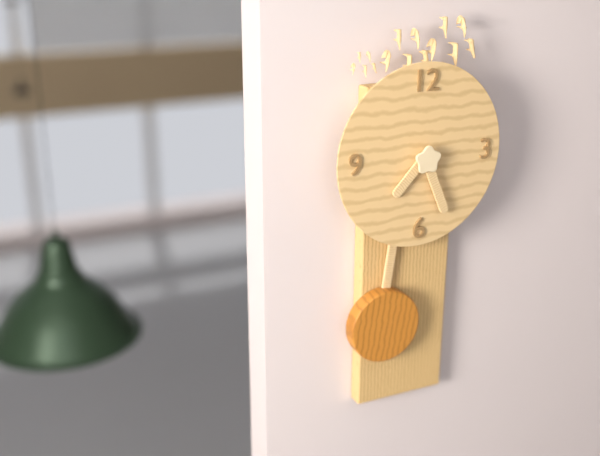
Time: h=7 m=26
